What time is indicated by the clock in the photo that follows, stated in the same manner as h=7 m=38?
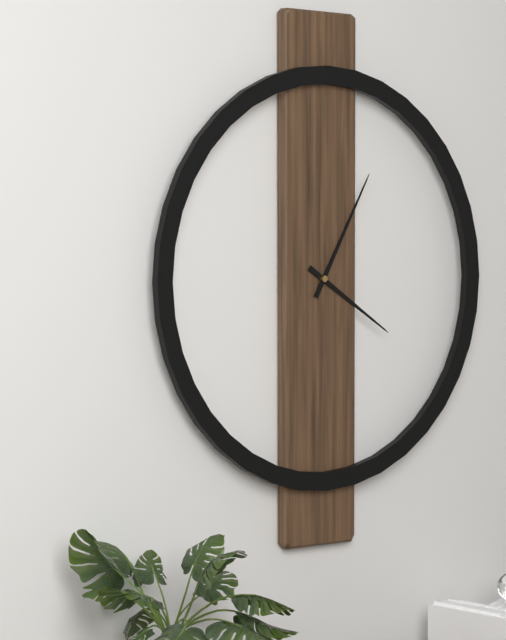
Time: h=4 m=5
